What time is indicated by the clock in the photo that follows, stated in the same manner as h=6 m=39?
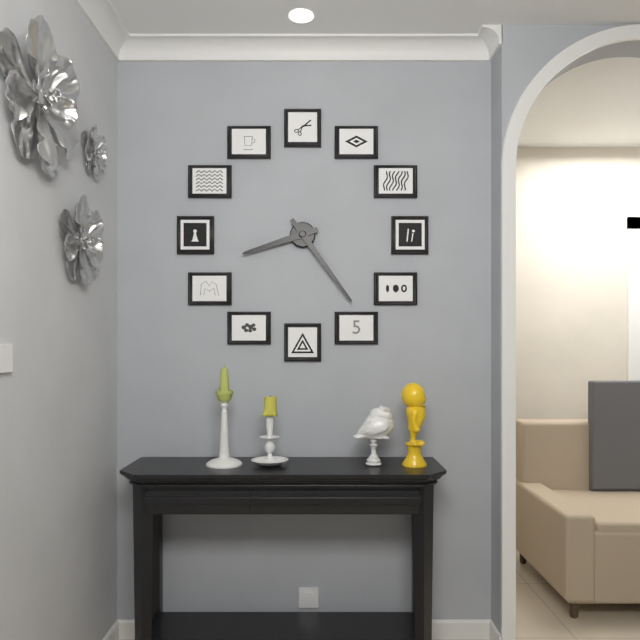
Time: h=8 m=24
